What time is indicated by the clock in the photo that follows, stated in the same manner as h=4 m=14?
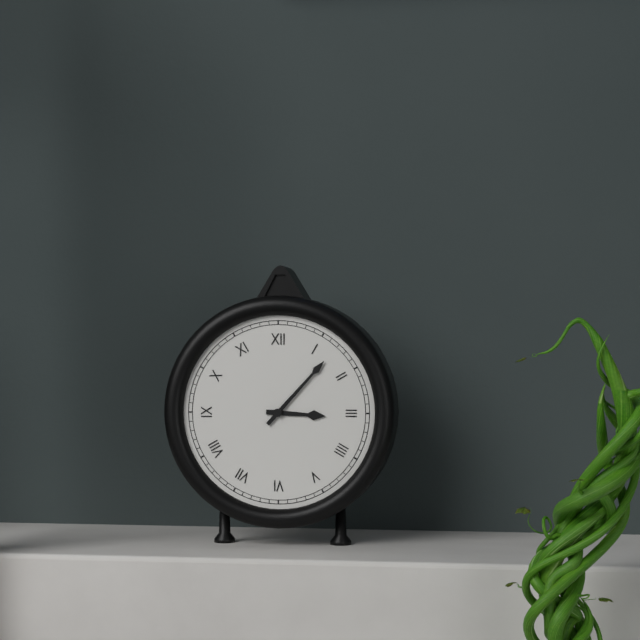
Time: h=3 m=7
